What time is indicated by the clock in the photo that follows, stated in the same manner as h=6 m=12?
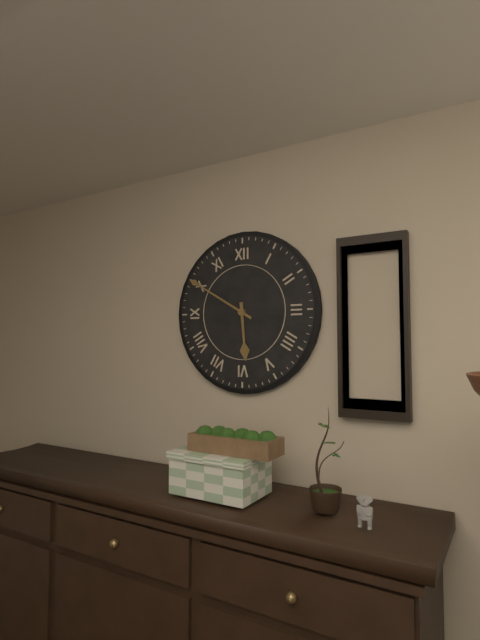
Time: h=5 m=50
